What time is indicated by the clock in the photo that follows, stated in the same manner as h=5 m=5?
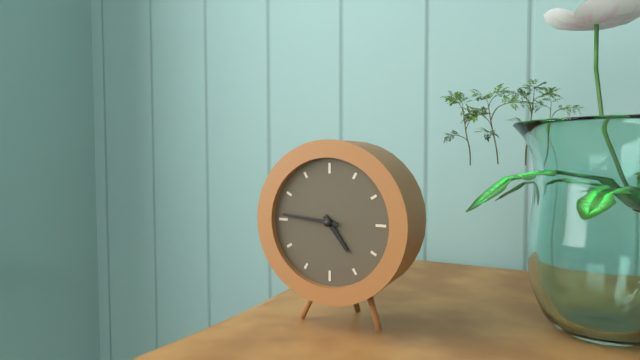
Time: h=4 m=46
